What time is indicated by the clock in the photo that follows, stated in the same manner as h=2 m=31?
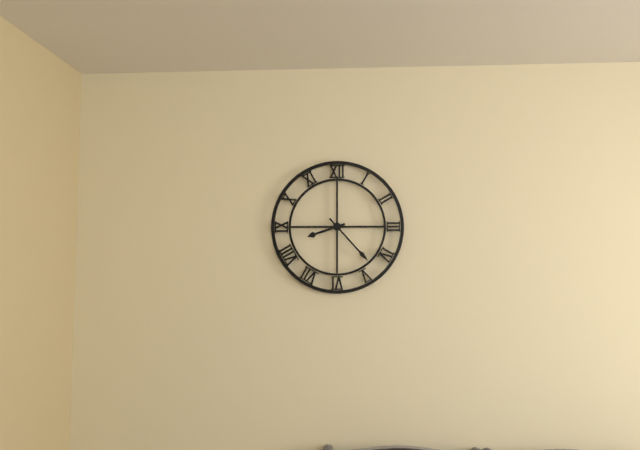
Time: h=8 m=23
